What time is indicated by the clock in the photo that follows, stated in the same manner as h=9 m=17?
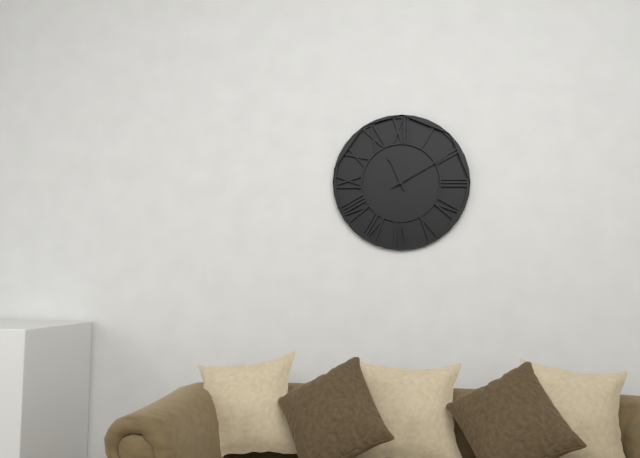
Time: h=11 m=10
